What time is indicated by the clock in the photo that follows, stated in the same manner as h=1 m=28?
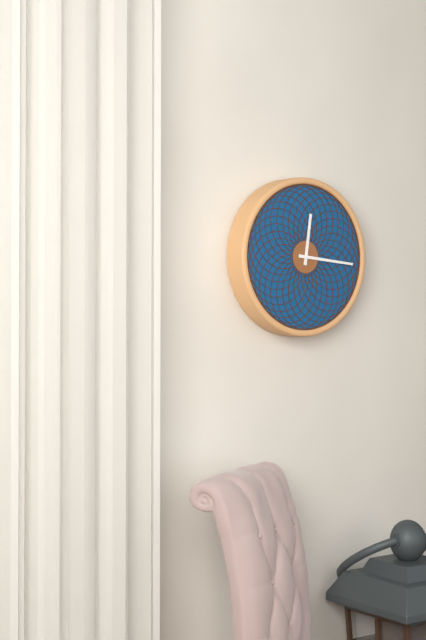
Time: h=12 m=16
